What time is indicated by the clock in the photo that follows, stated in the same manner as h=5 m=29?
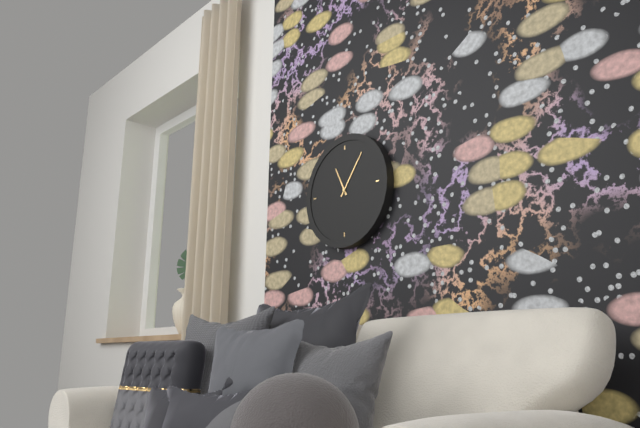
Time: h=11 m=6
